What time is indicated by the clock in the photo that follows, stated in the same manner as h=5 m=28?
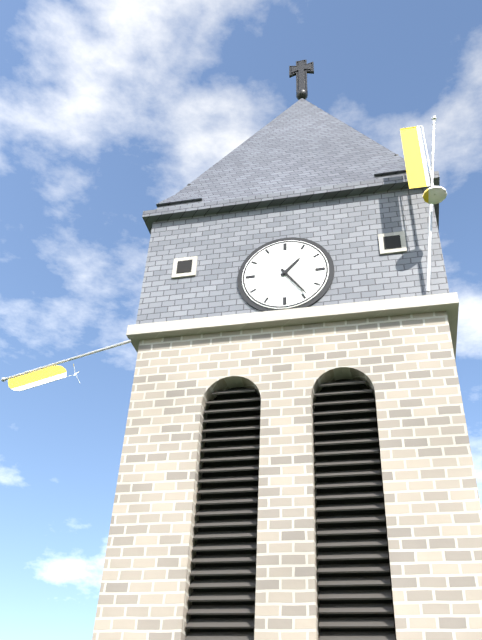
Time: h=1 m=24
